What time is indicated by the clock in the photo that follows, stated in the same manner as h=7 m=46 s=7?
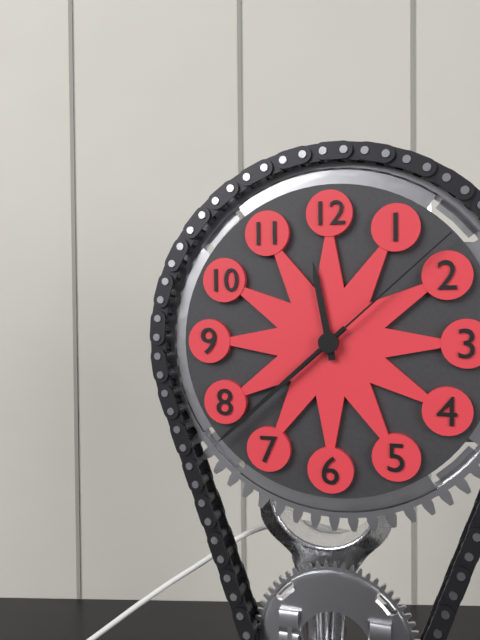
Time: h=11 m=38 s=8
